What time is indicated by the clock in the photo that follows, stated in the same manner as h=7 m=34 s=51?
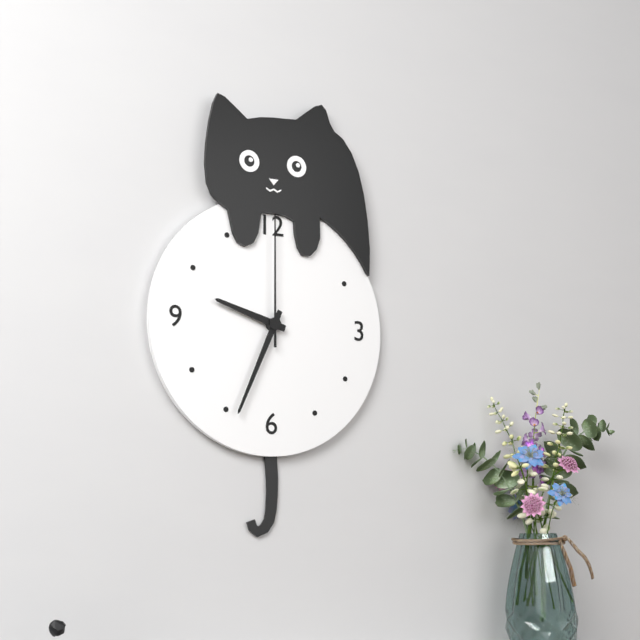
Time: h=9 m=34 s=0
